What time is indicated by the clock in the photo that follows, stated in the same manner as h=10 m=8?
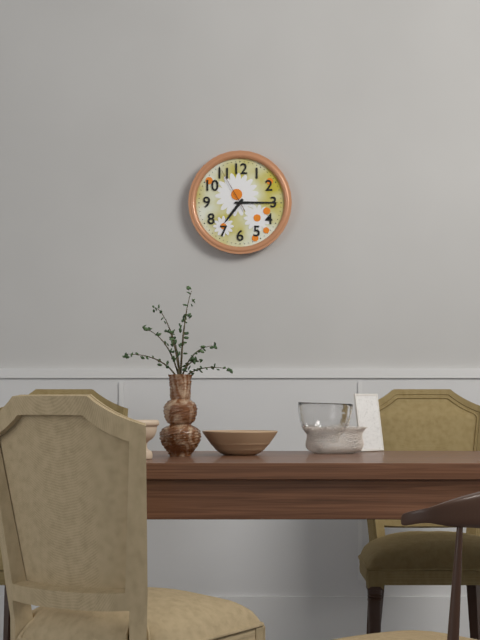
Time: h=7 m=15
